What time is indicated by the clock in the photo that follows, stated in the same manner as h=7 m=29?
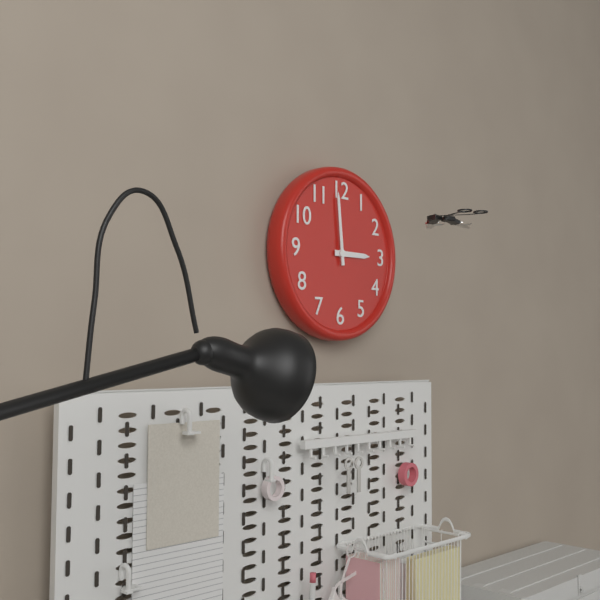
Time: h=2 m=59
